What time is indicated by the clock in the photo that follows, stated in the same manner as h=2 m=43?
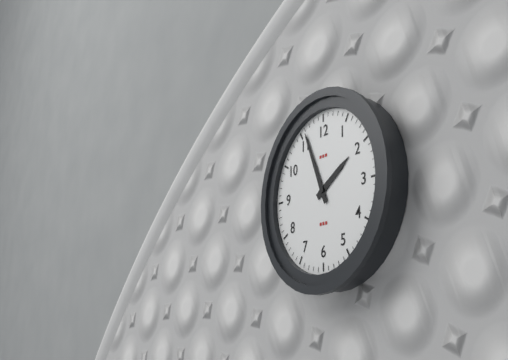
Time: h=1 m=56
